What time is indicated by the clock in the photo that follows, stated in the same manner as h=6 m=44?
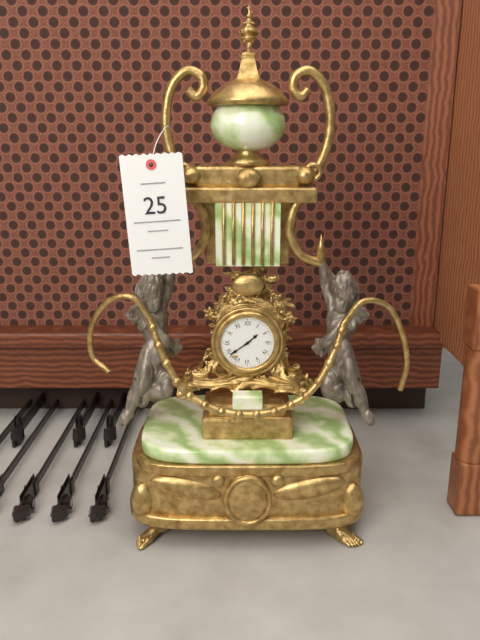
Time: h=1 m=39
